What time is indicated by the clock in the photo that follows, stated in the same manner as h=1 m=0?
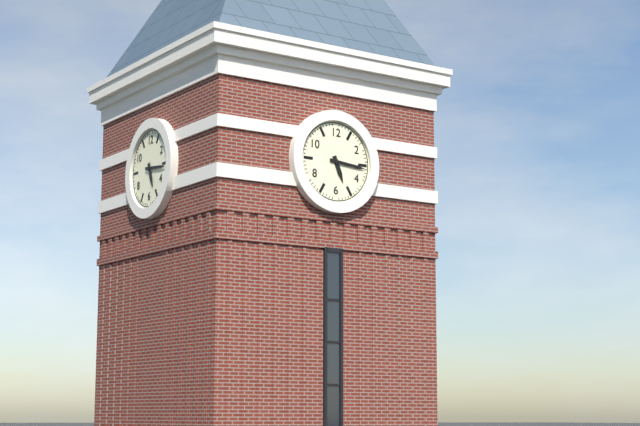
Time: h=5 m=16
